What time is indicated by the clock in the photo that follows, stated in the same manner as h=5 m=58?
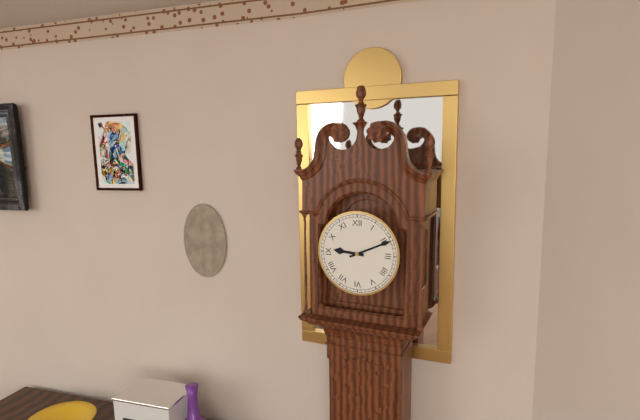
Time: h=9 m=11
